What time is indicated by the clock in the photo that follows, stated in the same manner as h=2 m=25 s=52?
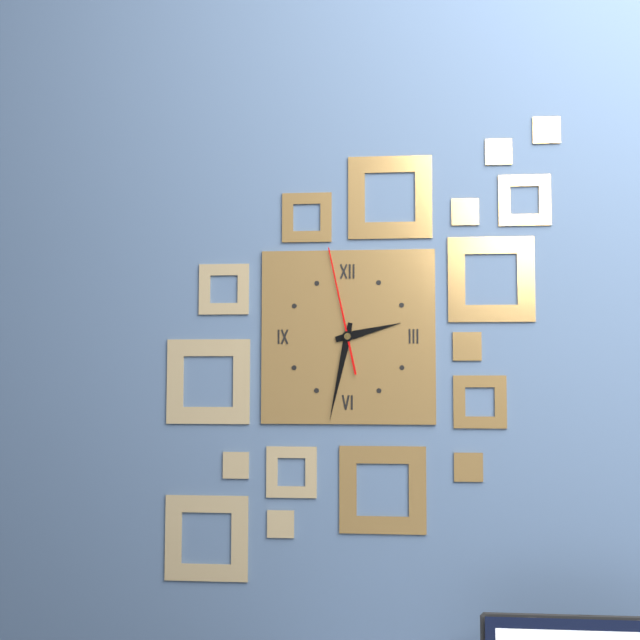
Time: h=2 m=32 s=58
